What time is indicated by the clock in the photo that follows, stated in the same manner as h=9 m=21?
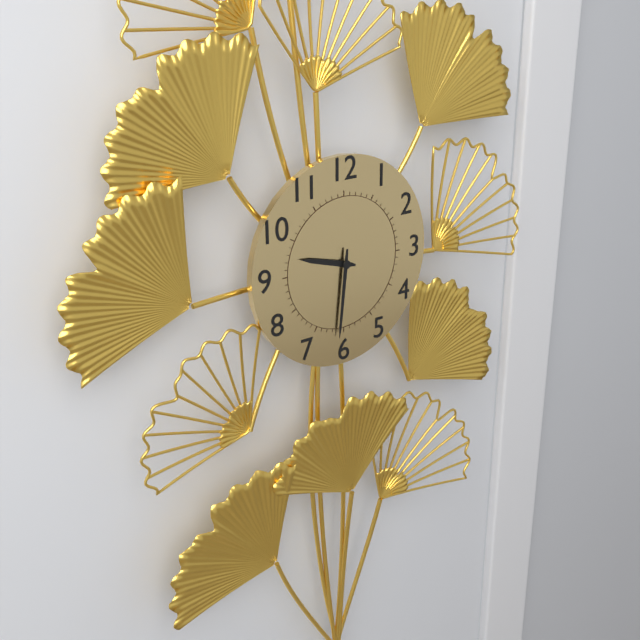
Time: h=9 m=31
